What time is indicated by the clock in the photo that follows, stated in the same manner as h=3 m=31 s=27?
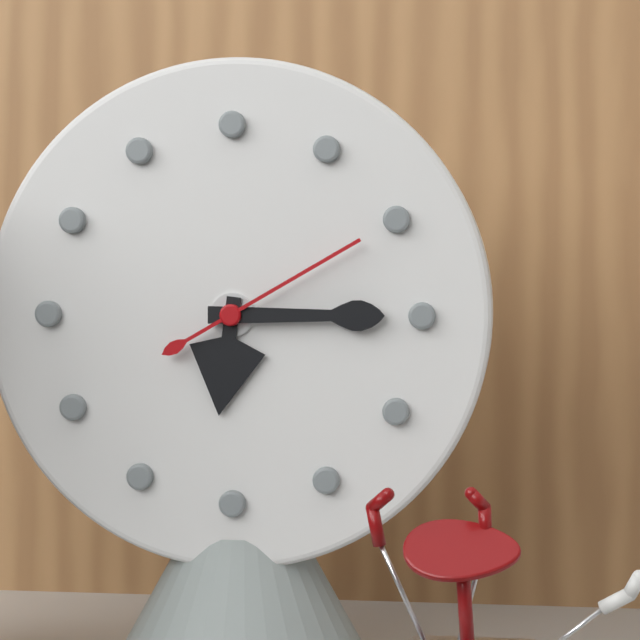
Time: h=6 m=15 s=10
